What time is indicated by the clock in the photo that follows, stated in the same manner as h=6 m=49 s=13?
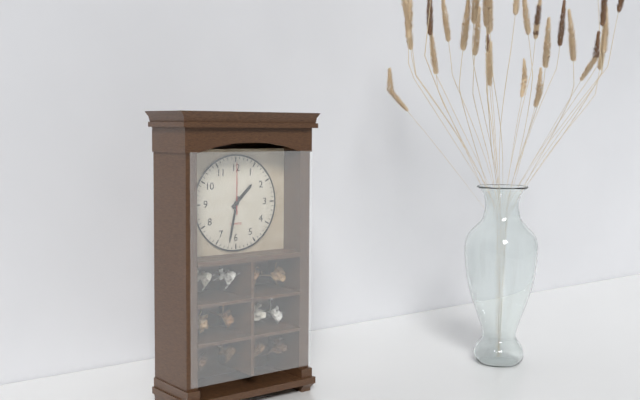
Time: h=1 m=32 s=0
